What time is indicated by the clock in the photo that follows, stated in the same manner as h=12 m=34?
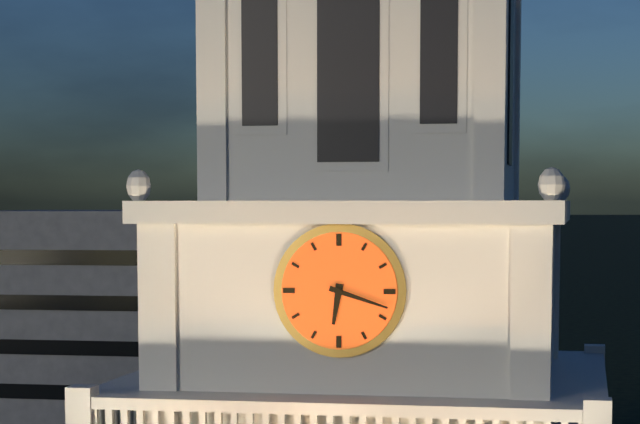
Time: h=6 m=18
